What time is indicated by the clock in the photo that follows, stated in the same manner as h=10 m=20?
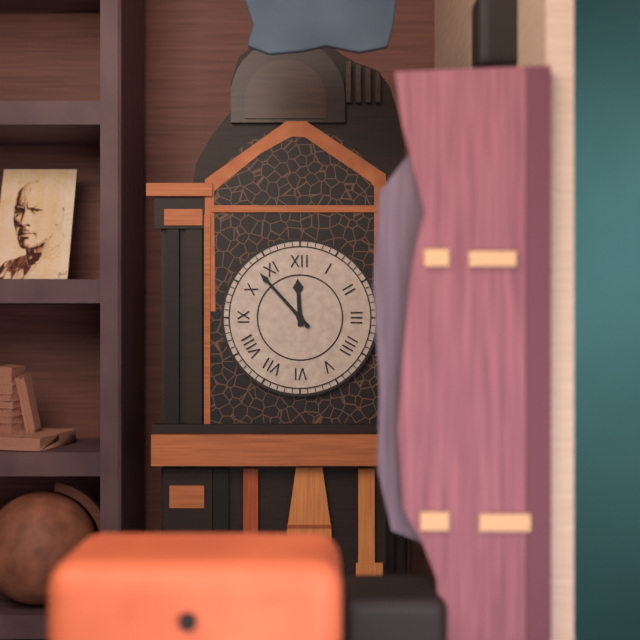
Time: h=11 m=53
